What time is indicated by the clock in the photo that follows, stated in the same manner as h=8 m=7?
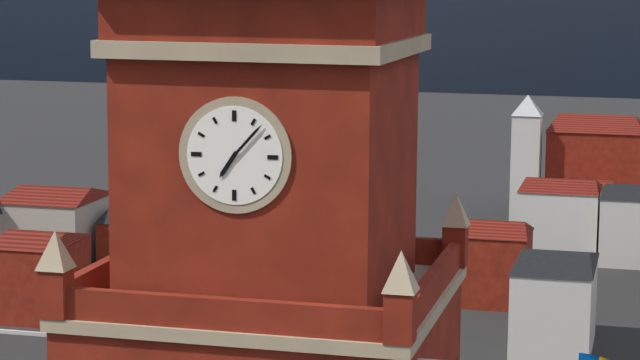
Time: h=7 m=7
